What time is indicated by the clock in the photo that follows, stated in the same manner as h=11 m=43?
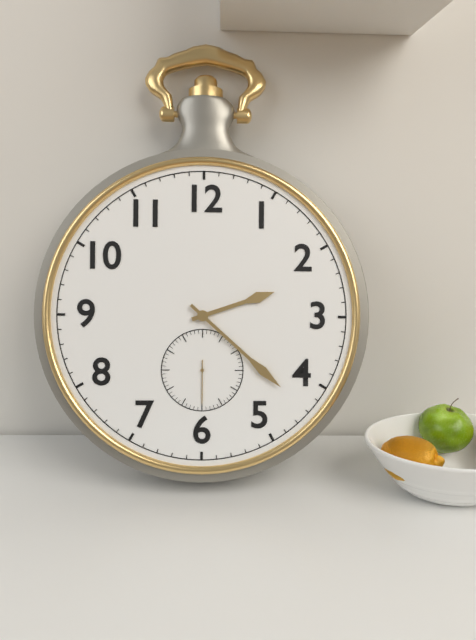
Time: h=2 m=22
